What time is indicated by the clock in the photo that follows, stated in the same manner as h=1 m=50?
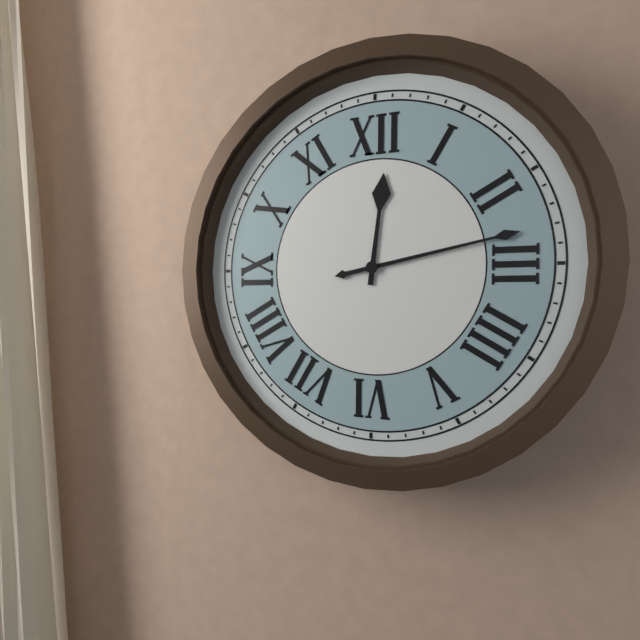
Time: h=12 m=13
